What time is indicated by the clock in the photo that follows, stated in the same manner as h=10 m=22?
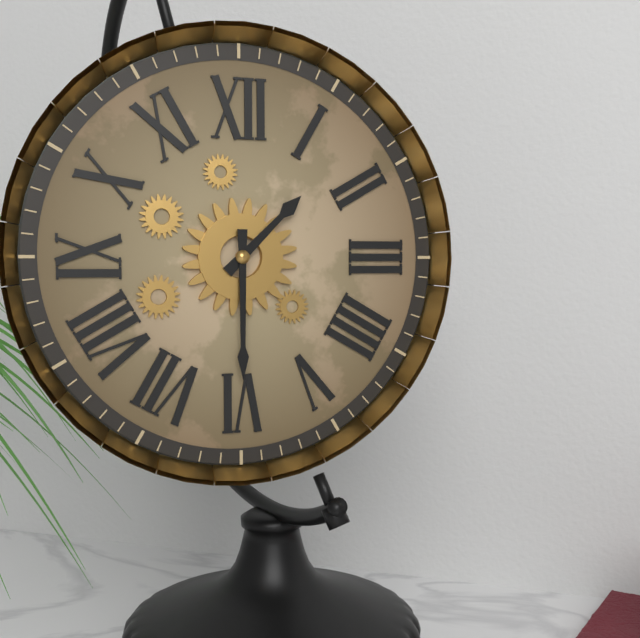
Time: h=1 m=30
